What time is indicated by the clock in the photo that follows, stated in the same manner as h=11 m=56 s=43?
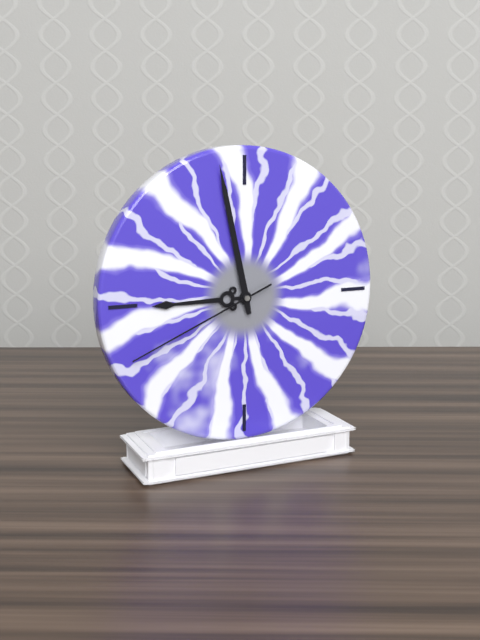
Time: h=8 m=58 s=41
